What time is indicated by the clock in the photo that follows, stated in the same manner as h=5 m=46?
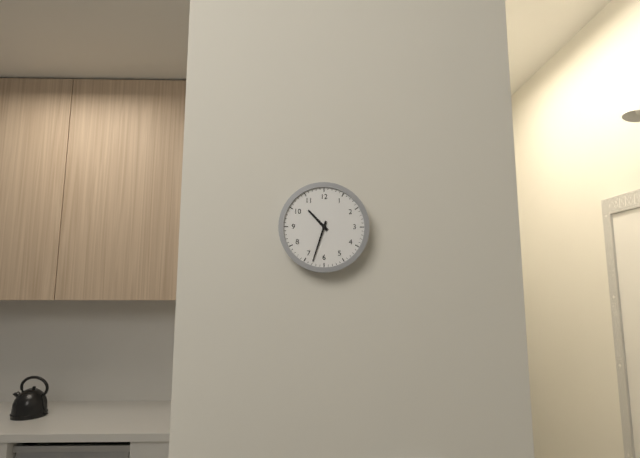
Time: h=10 m=33
